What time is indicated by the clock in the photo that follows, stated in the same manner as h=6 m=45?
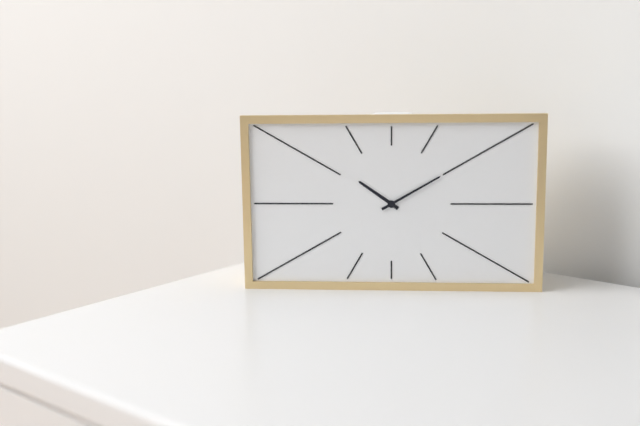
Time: h=10 m=10
